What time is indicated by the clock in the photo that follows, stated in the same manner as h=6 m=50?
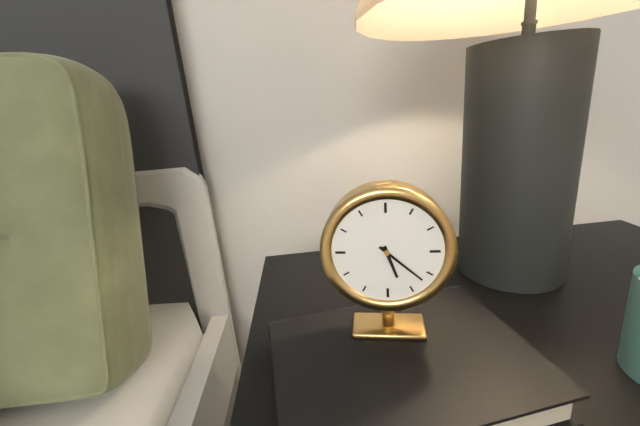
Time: h=5 m=22
